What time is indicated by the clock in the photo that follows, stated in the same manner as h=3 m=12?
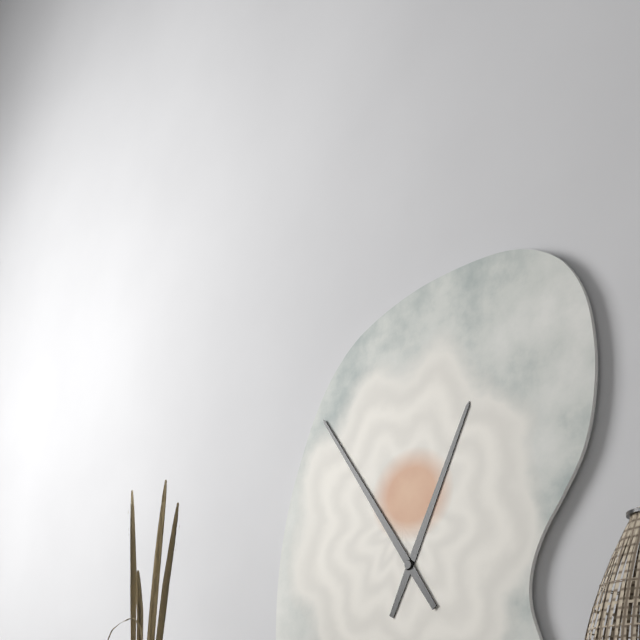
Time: h=12 m=54
